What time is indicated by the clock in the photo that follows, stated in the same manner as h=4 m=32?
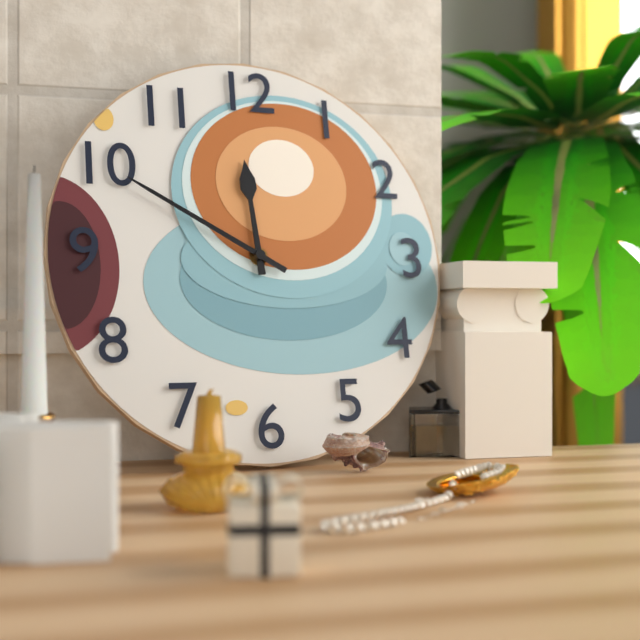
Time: h=11 m=50
